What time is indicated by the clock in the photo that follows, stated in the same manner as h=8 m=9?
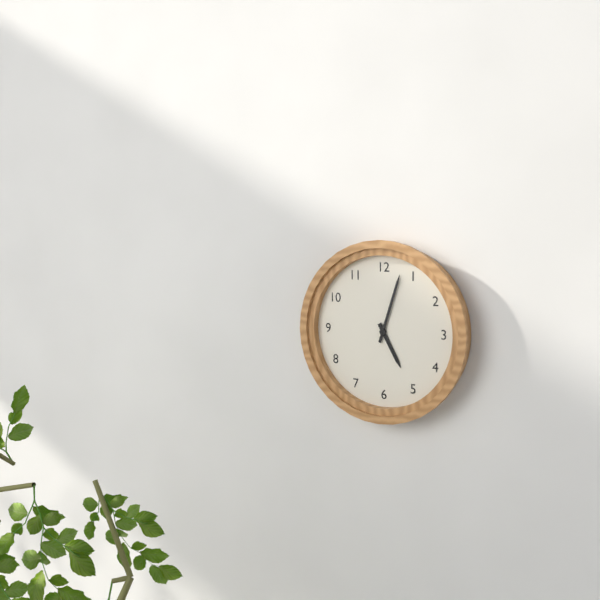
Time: h=5 m=3
